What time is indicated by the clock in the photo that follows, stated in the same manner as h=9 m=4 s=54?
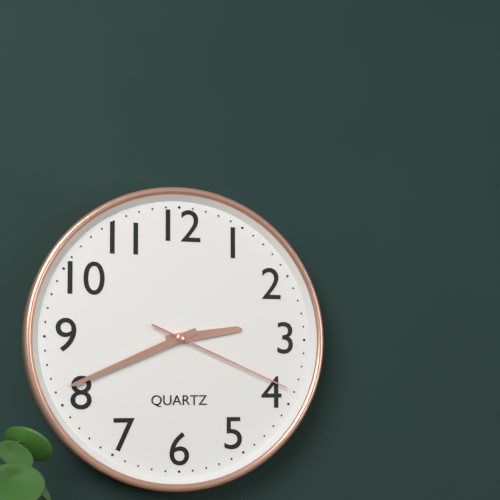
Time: h=2 m=41 s=19
